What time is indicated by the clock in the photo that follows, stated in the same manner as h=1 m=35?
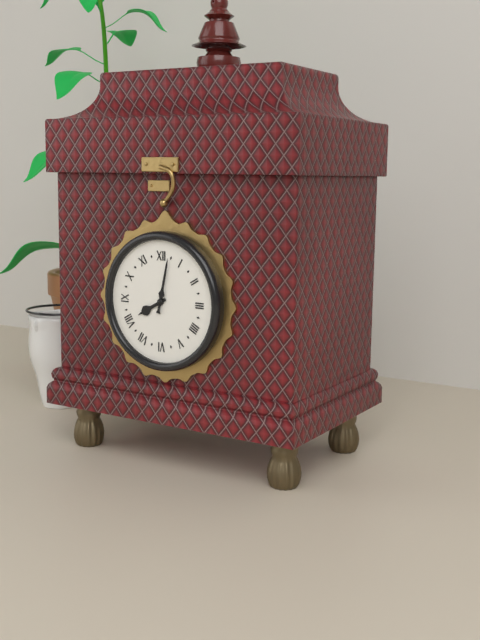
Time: h=8 m=2
